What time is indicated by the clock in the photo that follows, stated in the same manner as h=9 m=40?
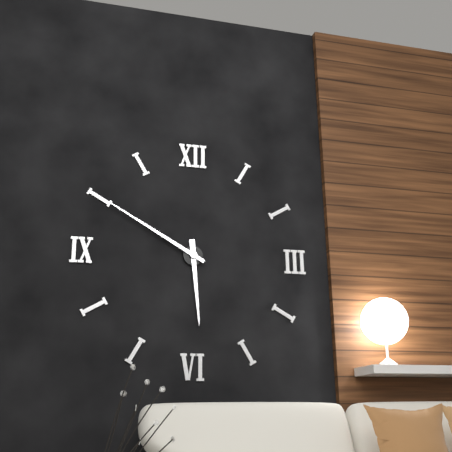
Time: h=5 m=50
